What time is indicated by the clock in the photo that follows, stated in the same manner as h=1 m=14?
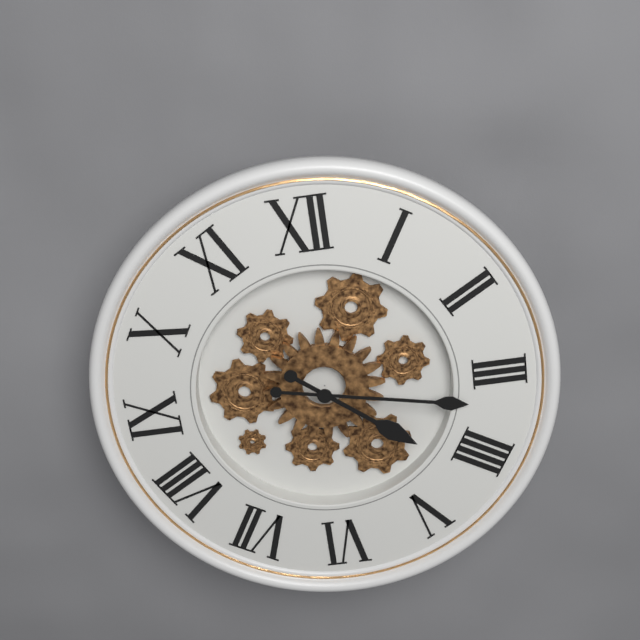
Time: h=4 m=17
